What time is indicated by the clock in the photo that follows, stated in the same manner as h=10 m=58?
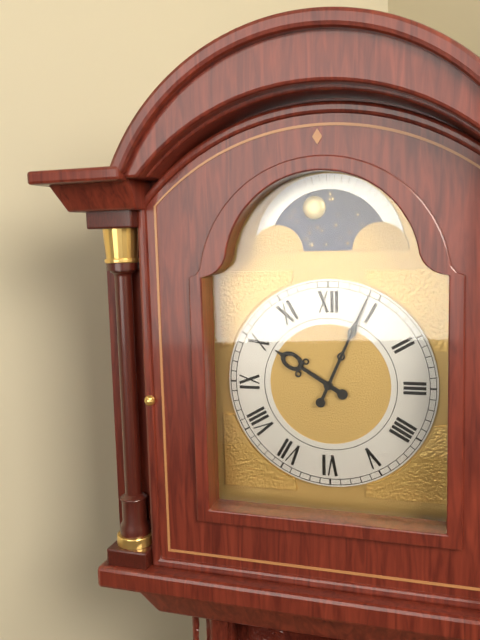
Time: h=10 m=4
